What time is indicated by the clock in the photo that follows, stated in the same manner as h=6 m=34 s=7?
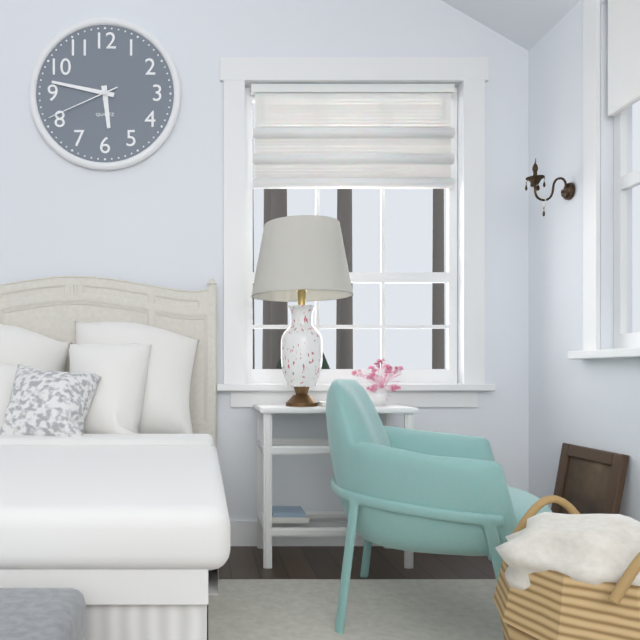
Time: h=5 m=47 s=41
